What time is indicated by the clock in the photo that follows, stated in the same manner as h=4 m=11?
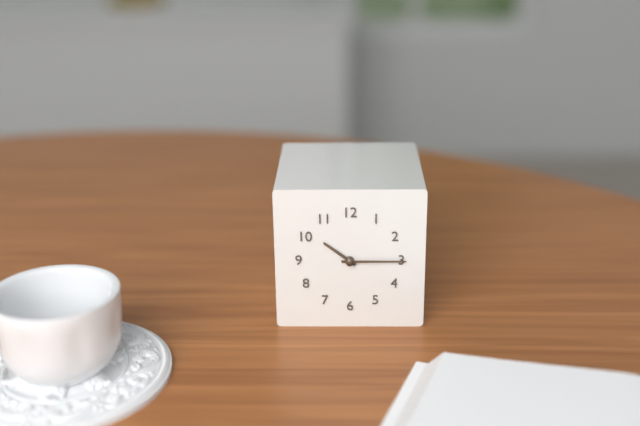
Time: h=10 m=15
